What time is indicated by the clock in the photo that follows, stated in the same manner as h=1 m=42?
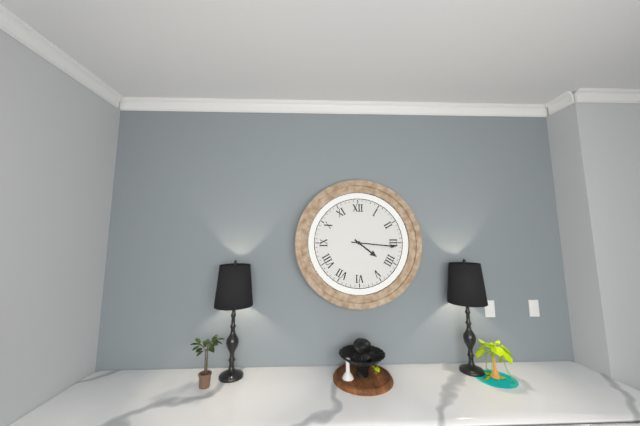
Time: h=4 m=16
